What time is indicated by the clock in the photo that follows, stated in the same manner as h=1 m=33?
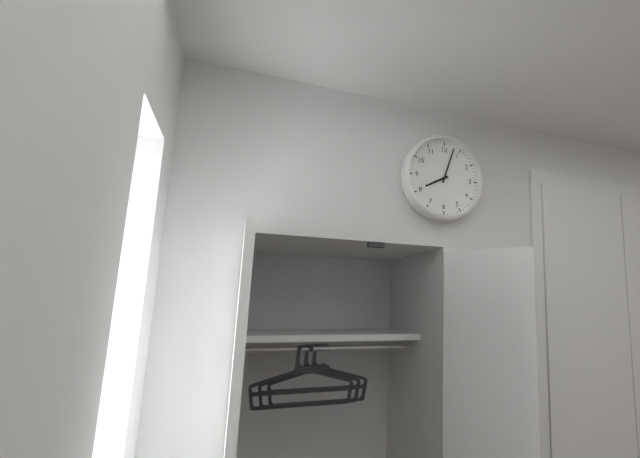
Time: h=8 m=3
